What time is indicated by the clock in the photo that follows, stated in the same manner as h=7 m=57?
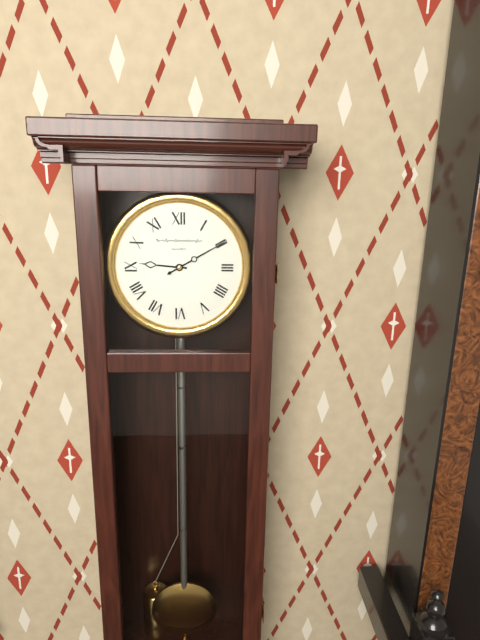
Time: h=9 m=10
